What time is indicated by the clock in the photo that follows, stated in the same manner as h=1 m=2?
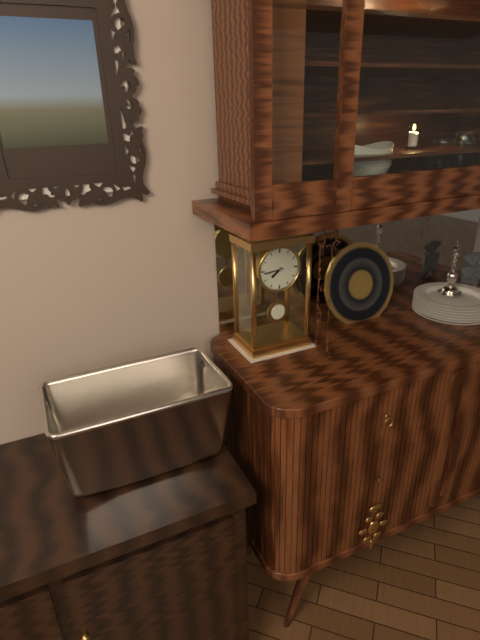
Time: h=7 m=44
